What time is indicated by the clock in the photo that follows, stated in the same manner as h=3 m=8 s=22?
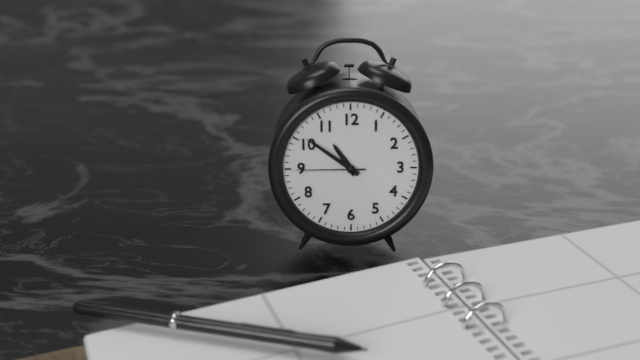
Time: h=10 m=51 s=45
